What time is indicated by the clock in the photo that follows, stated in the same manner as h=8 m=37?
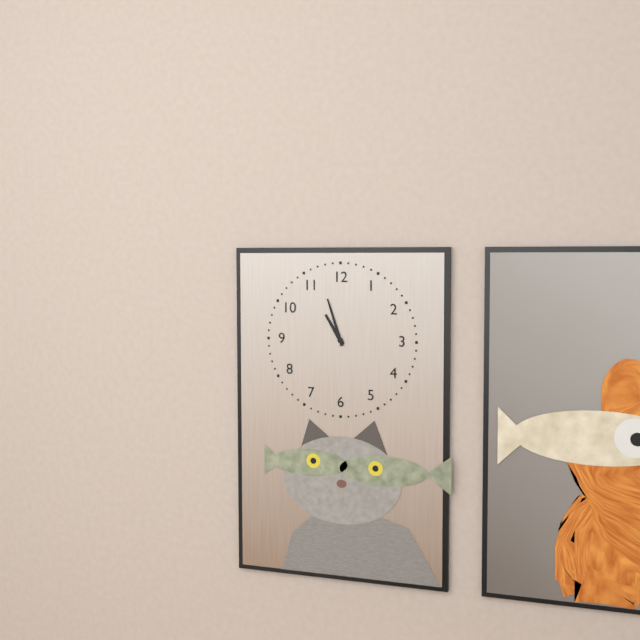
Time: h=10 m=57
